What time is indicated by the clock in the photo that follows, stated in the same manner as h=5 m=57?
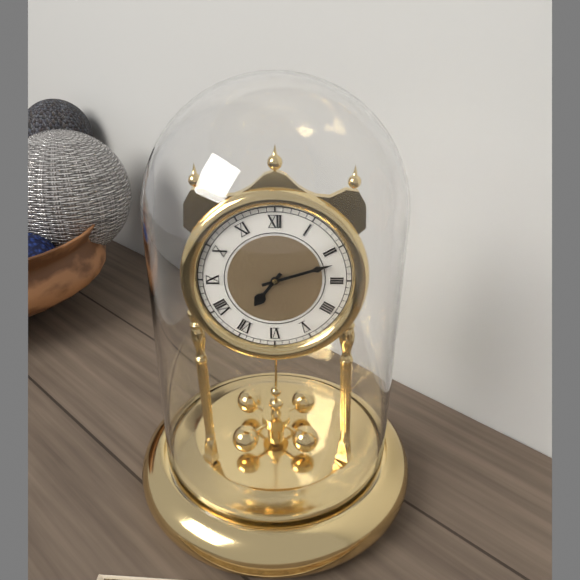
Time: h=7 m=12
